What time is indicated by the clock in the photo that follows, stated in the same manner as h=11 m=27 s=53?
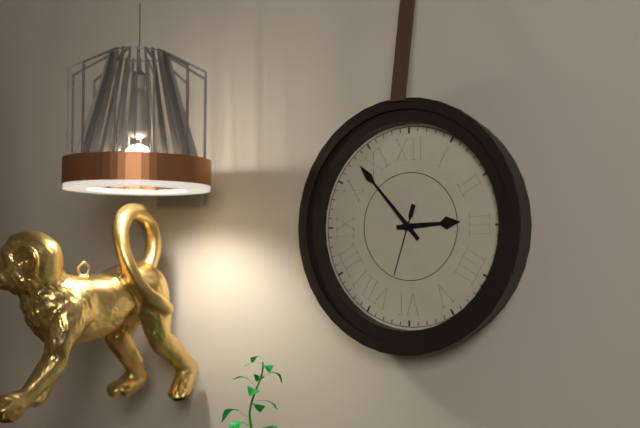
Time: h=2 m=53 s=33
